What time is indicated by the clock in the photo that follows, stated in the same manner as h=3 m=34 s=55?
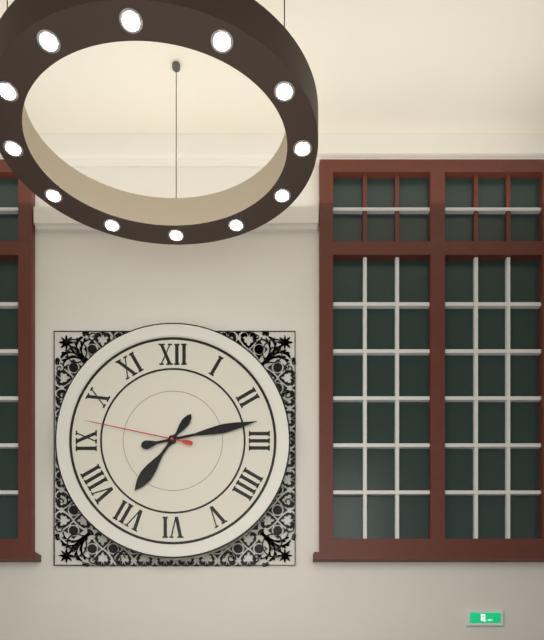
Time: h=7 m=13 s=47
